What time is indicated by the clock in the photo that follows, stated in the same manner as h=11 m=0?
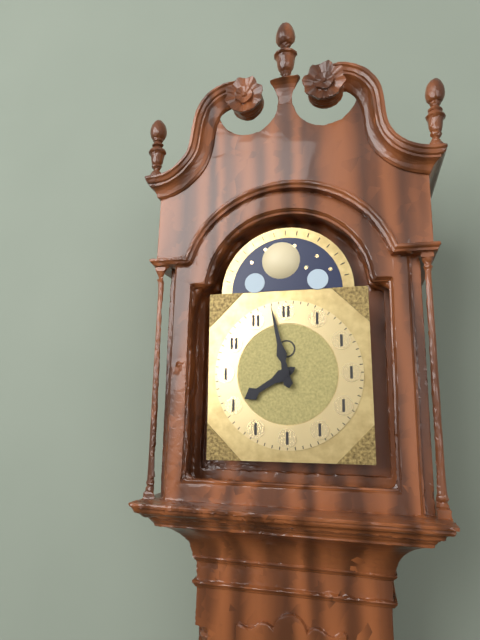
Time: h=7 m=58
